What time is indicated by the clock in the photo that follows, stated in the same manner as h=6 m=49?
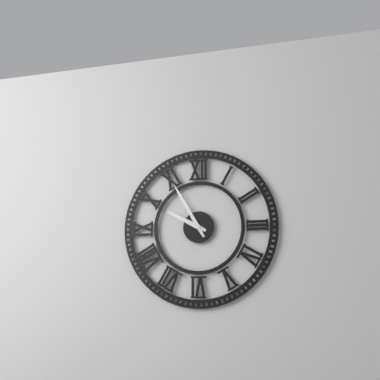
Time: h=9 m=55
